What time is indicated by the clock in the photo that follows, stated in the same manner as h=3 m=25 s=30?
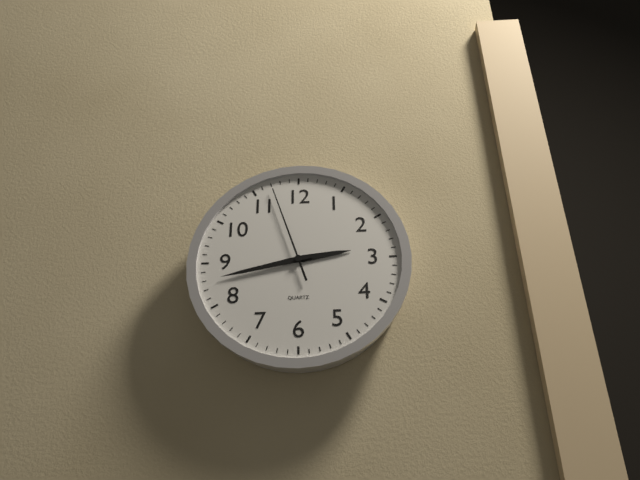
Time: h=2 m=43 s=57
